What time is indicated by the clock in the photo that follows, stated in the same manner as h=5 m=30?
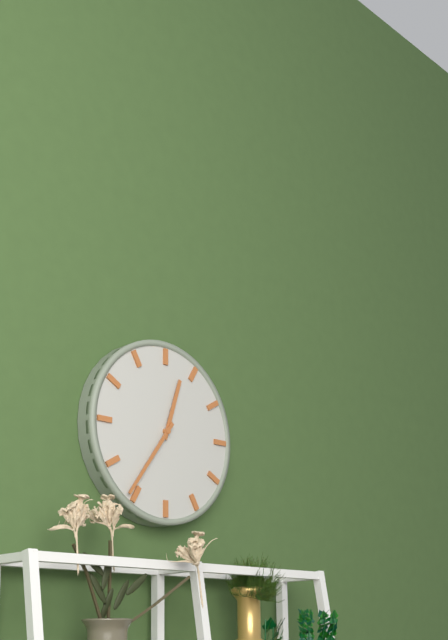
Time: h=12 m=36
